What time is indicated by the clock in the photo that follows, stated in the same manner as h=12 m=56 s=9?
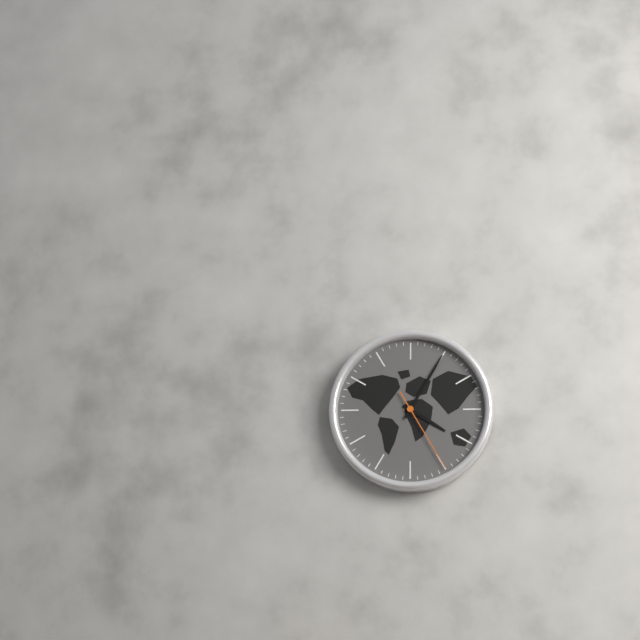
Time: h=4 m=5 s=25
